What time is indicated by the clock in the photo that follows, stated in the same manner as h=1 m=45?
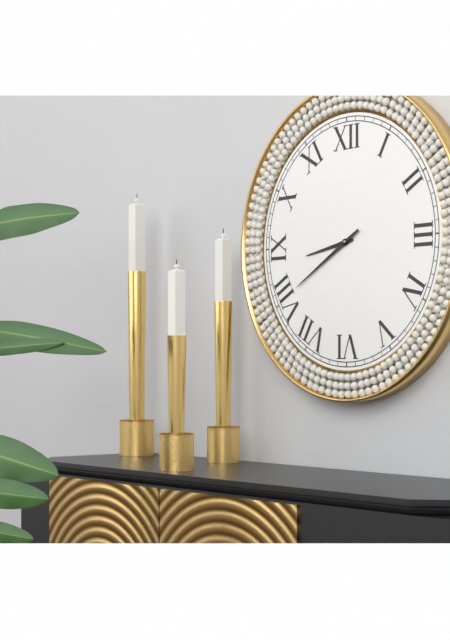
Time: h=8 m=40
